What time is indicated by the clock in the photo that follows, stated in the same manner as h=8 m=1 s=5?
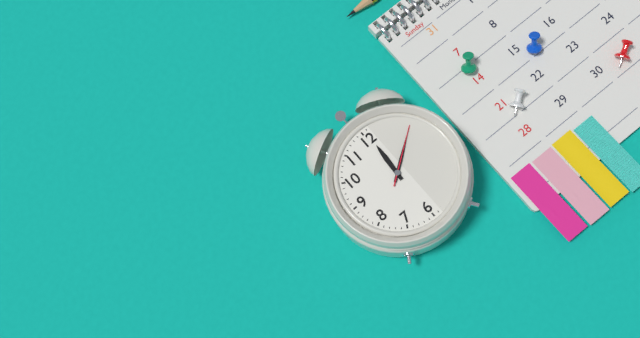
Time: h=12 m=9 s=9
